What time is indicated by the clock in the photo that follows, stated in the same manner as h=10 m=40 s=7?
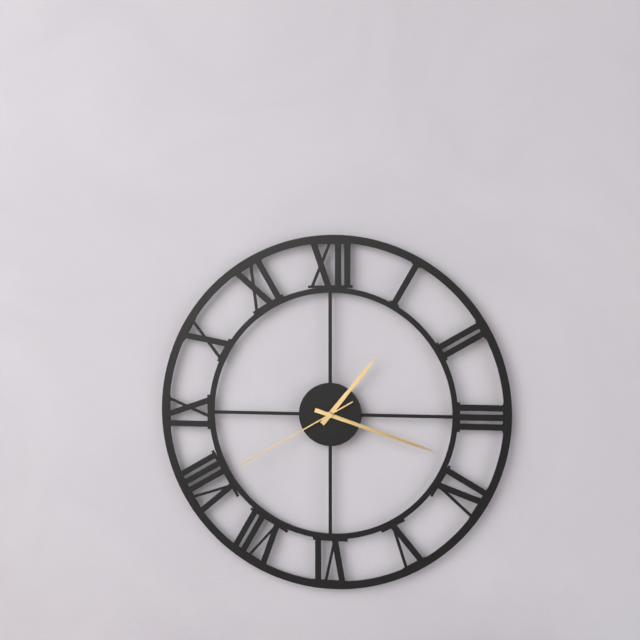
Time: h=1 m=18 s=40
